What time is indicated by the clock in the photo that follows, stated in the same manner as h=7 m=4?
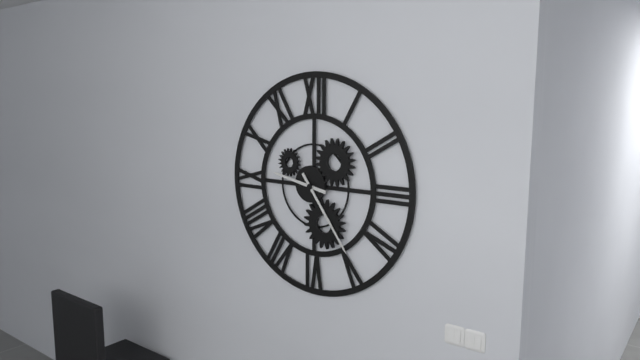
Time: h=9 m=24
